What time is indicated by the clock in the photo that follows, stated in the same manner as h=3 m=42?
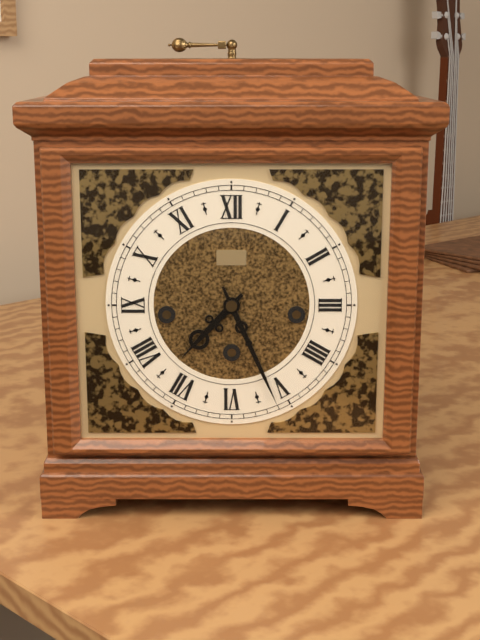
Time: h=7 m=26
